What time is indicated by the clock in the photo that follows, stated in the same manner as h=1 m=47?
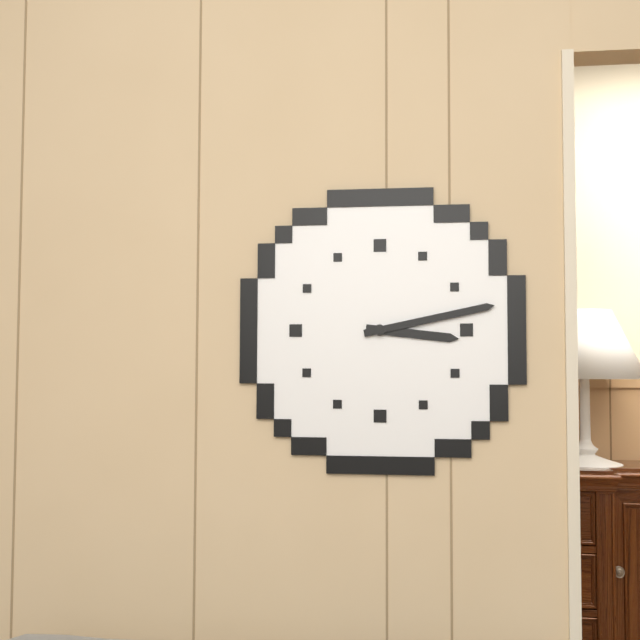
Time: h=3 m=13
